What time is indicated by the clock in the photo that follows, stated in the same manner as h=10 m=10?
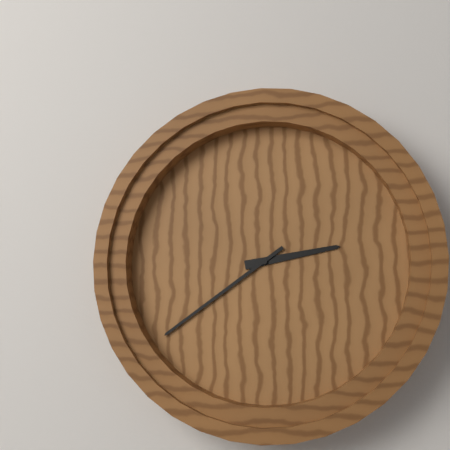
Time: h=2 m=39
